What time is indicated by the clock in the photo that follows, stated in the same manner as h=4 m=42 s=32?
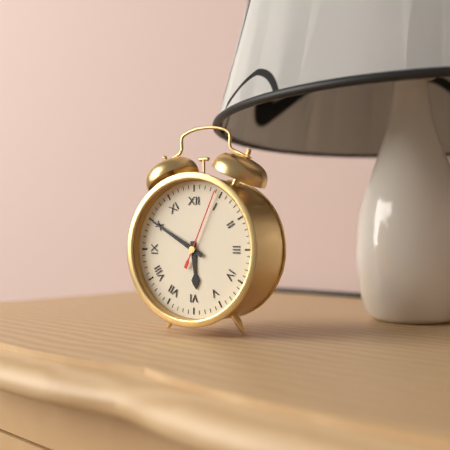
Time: h=5 m=50 s=4
